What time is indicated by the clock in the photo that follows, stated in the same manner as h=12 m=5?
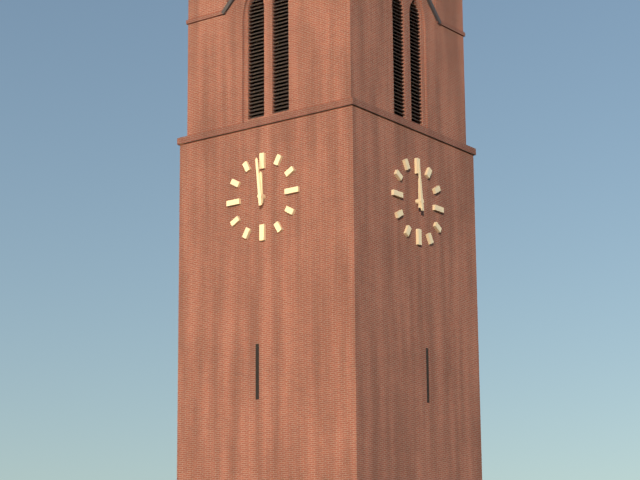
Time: h=11 m=59
